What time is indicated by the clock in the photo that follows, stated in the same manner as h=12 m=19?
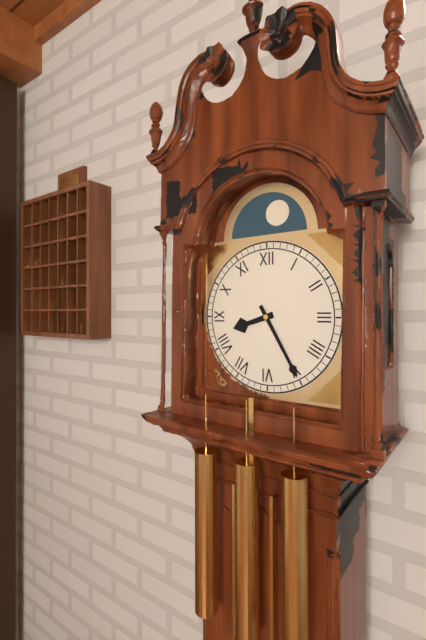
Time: h=8 m=25
